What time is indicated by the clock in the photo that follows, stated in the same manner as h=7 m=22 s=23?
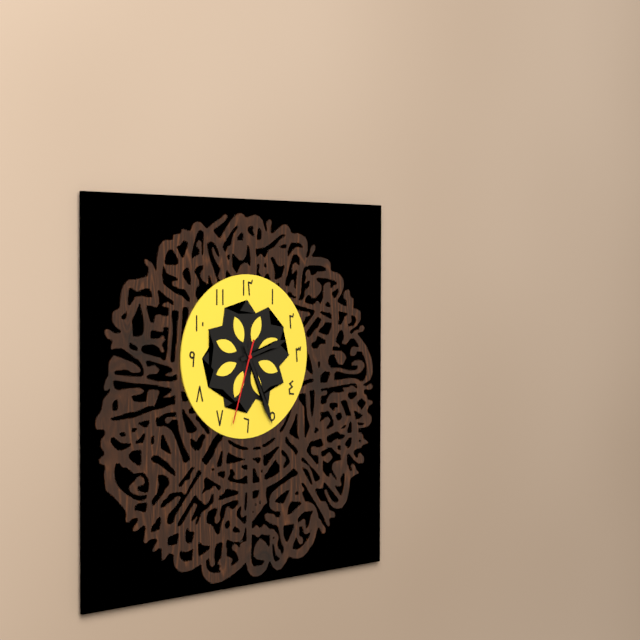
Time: h=2 m=26 s=33
